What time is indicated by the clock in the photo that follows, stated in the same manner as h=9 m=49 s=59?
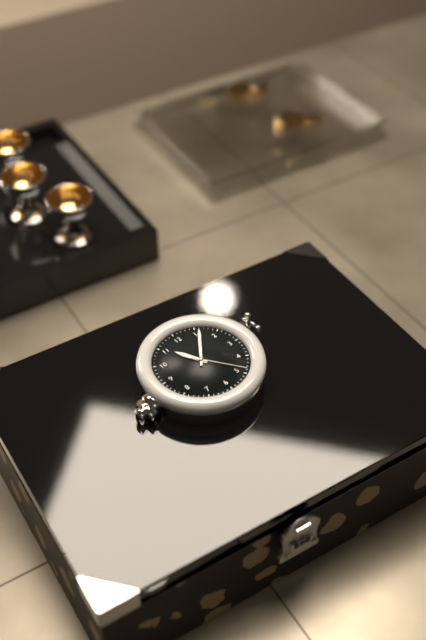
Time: h=11 m=6 s=24
